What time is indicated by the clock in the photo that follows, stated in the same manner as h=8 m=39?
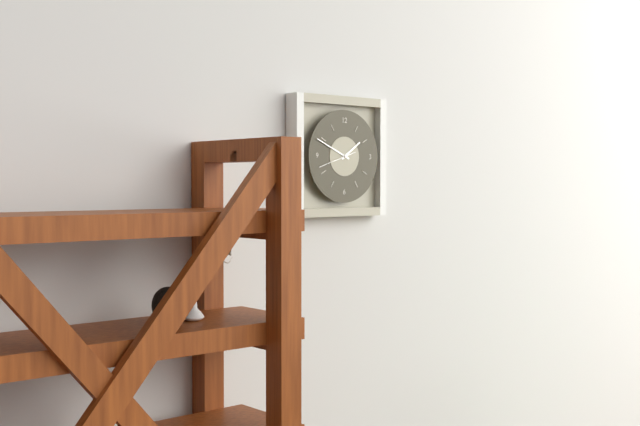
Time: h=1 m=49
